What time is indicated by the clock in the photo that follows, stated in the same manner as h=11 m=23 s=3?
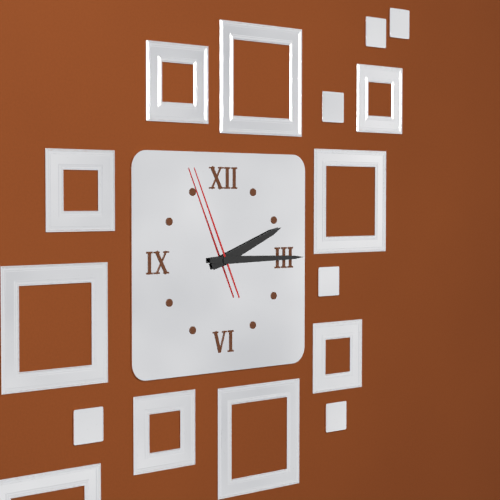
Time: h=2 m=15 s=56
